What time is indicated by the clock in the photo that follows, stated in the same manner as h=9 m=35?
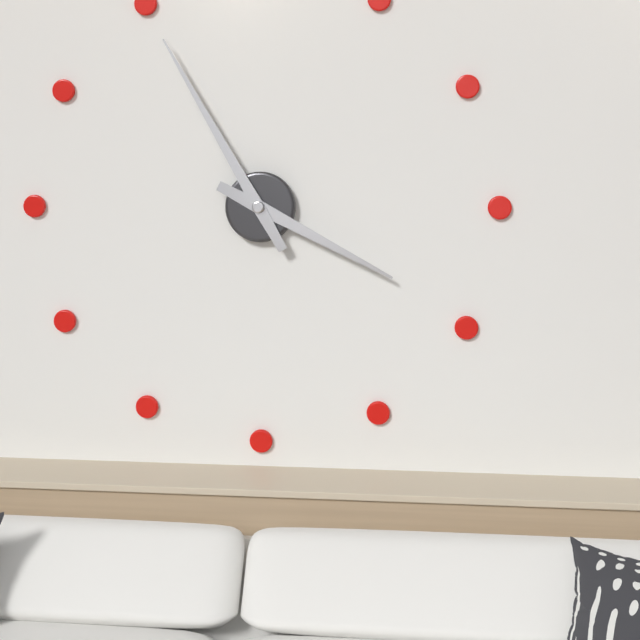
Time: h=3 m=55
